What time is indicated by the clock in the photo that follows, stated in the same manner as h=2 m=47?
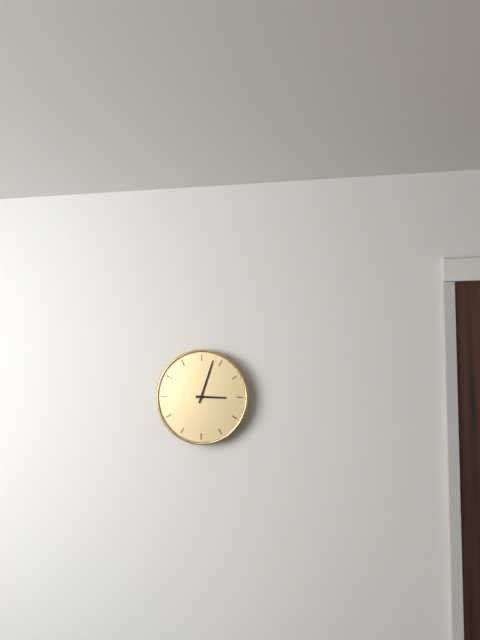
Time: h=3 m=3
